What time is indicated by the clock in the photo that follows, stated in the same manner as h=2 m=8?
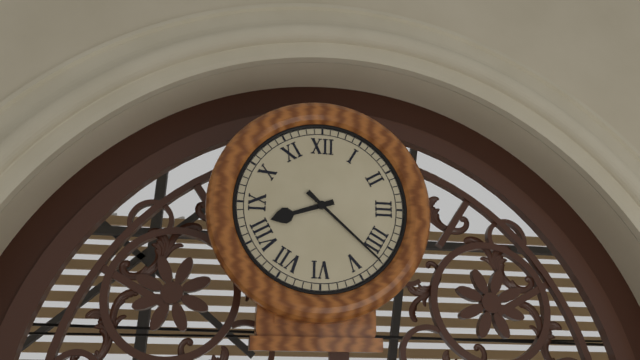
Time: h=8 m=22
